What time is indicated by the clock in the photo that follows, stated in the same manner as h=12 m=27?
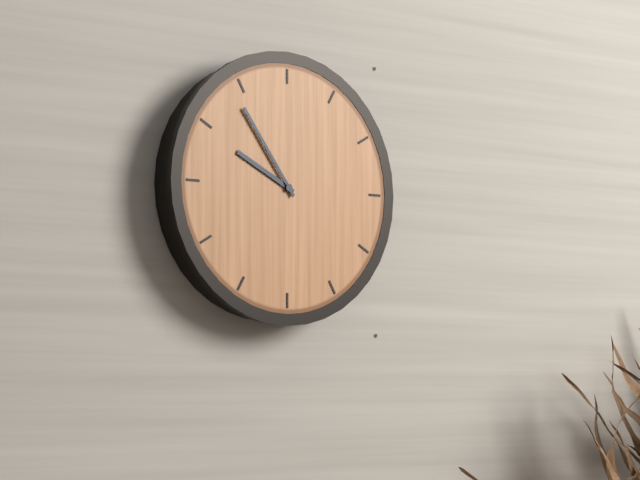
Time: h=9 m=54
